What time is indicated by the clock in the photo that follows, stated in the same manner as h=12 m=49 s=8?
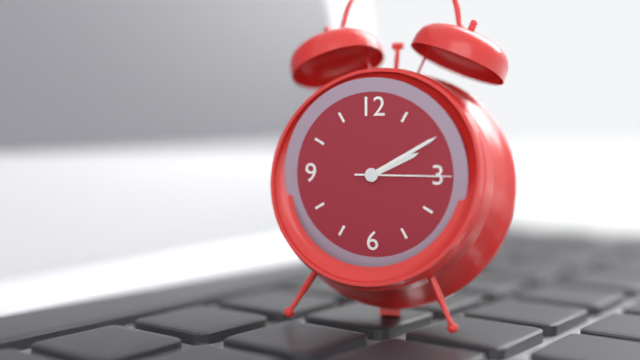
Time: h=2 m=10 s=15
